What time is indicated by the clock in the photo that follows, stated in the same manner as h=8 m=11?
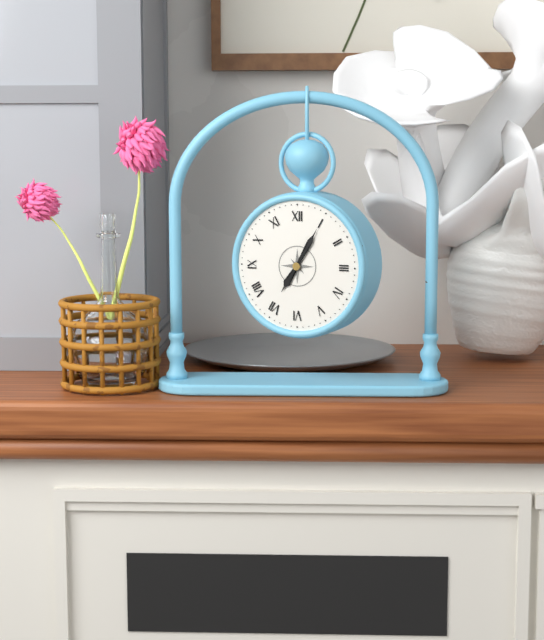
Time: h=7 m=5
